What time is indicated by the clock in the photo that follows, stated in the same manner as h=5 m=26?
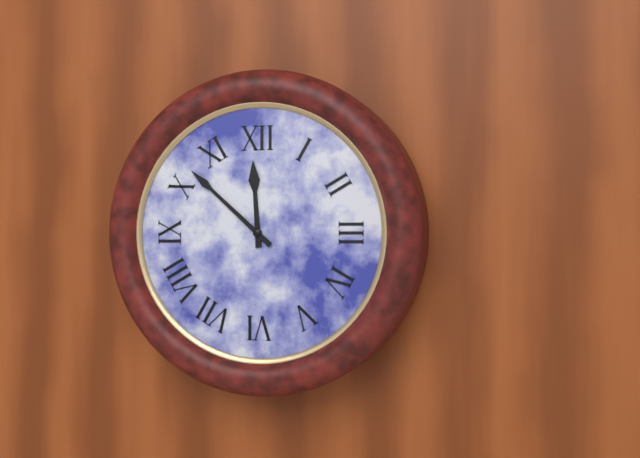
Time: h=11 m=52
